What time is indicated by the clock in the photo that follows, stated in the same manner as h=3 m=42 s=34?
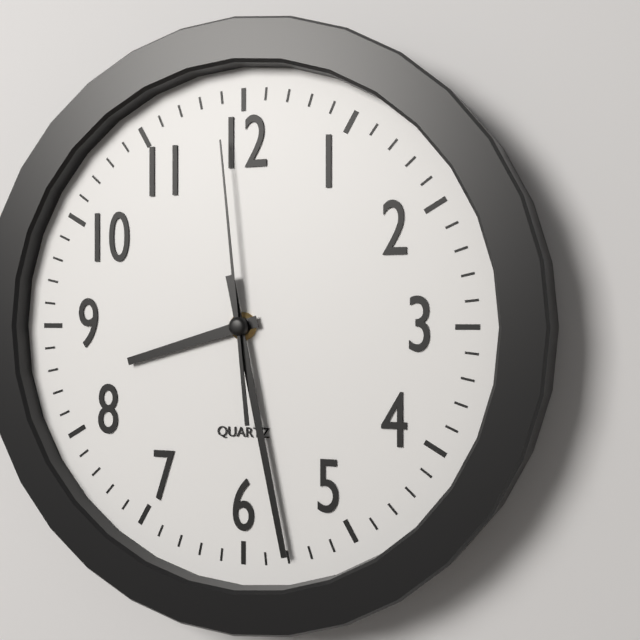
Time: h=8 m=28 s=59
